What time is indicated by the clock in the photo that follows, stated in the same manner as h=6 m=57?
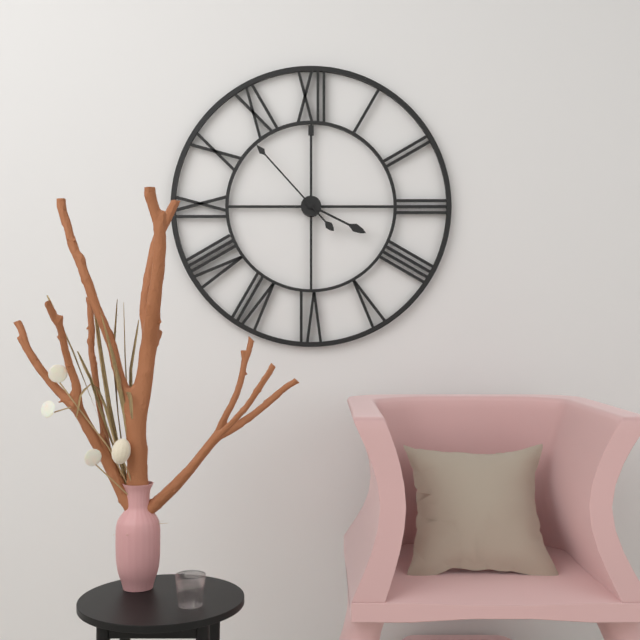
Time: h=3 m=53
